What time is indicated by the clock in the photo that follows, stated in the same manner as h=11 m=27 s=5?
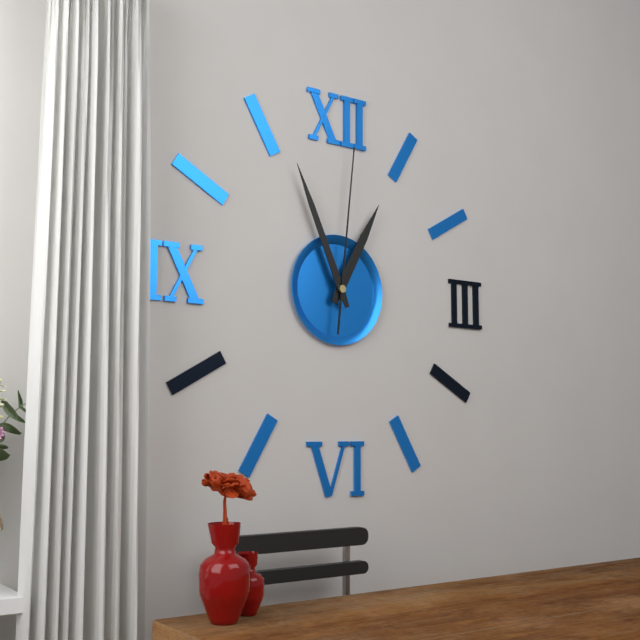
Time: h=12 m=56 s=1
